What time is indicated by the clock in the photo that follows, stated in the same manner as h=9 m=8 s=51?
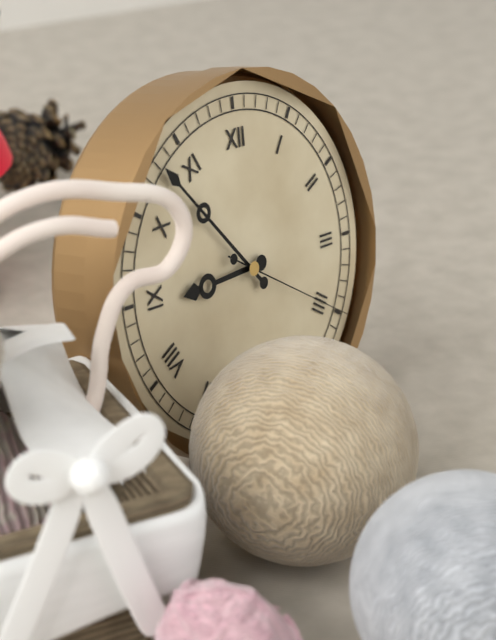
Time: h=8 m=53 s=20
